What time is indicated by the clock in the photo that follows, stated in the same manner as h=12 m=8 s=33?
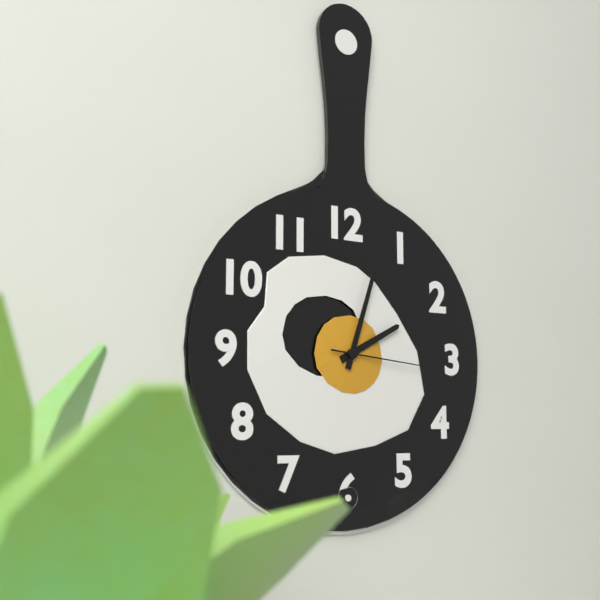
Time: h=2 m=3 s=16
